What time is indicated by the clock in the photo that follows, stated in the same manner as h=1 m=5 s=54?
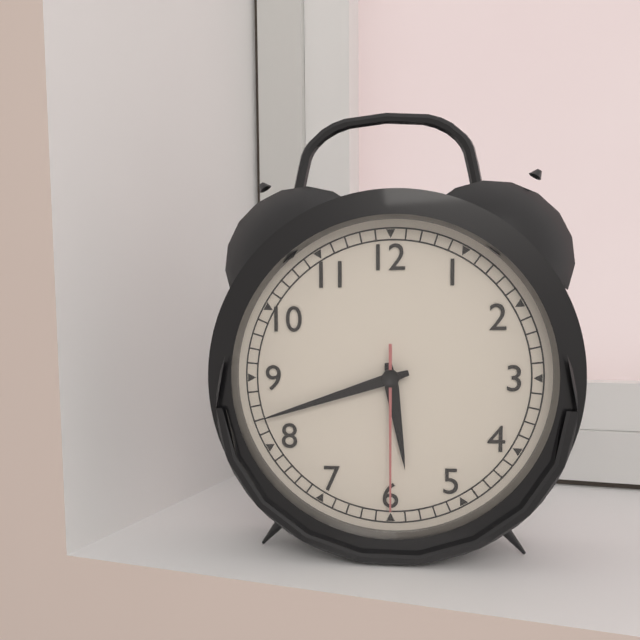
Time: h=5 m=42 s=30
